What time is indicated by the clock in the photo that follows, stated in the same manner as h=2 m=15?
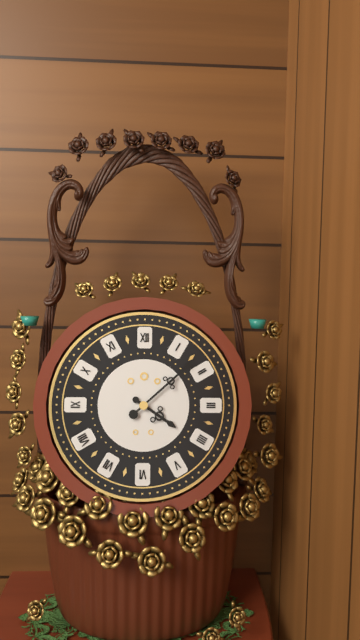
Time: h=4 m=8
